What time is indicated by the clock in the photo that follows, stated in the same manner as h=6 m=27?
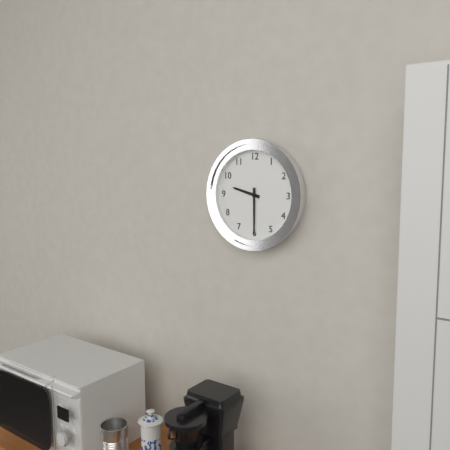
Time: h=9 m=30
